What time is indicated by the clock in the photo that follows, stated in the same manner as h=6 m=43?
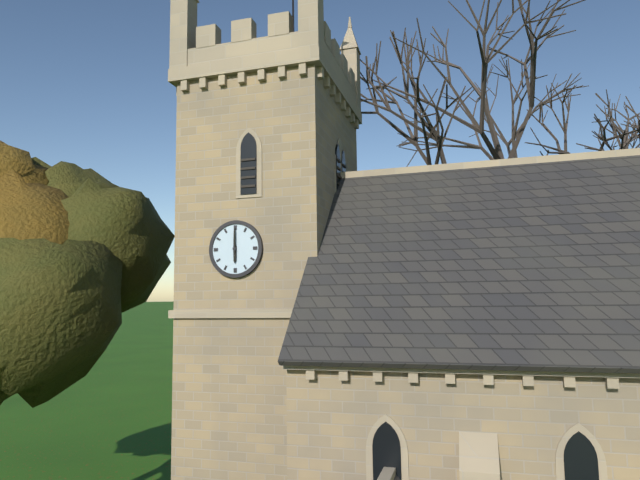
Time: h=6 m=0
